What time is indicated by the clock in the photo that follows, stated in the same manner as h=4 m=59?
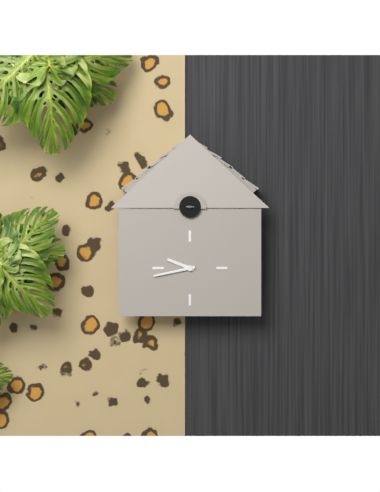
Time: h=9 m=43
